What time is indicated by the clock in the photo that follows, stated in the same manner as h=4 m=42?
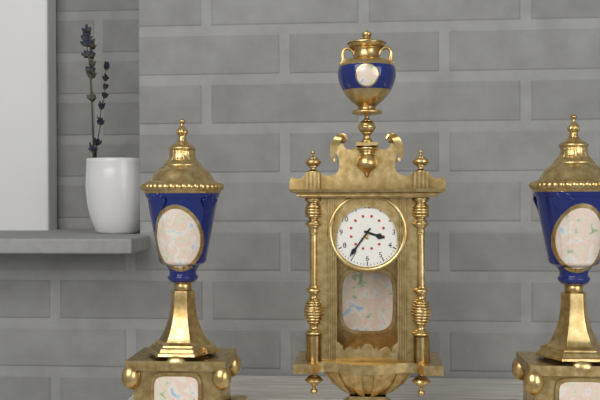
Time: h=3 m=36
